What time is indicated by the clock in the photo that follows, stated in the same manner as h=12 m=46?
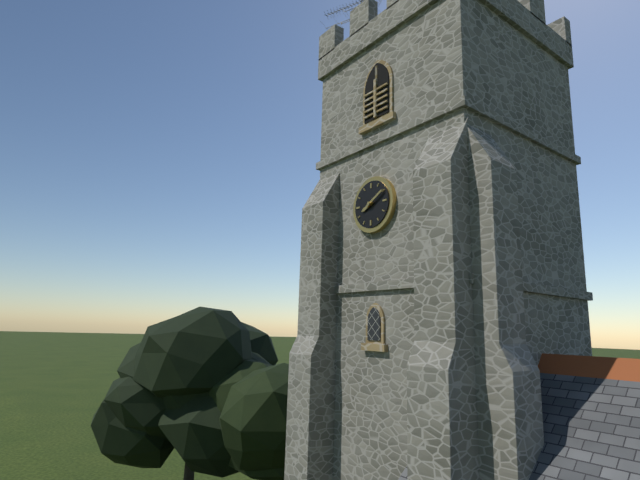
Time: h=8 m=10
